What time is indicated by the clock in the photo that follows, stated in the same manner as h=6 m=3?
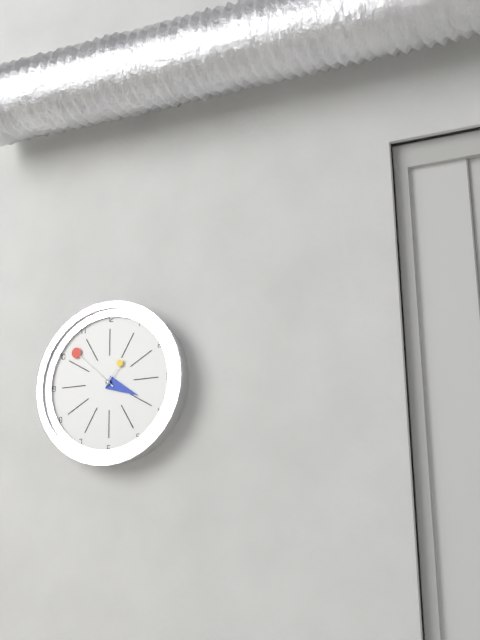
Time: h=3 m=52
